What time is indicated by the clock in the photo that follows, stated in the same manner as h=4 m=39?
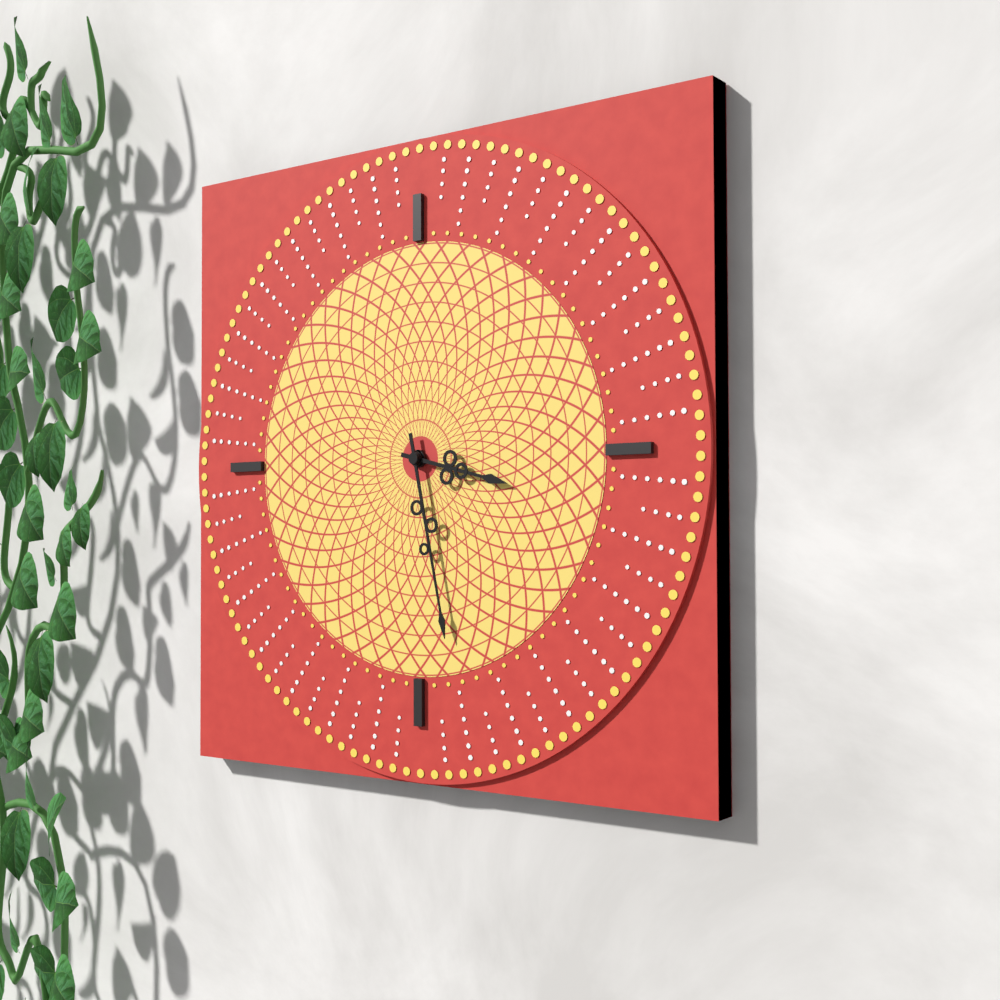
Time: h=3 m=28
